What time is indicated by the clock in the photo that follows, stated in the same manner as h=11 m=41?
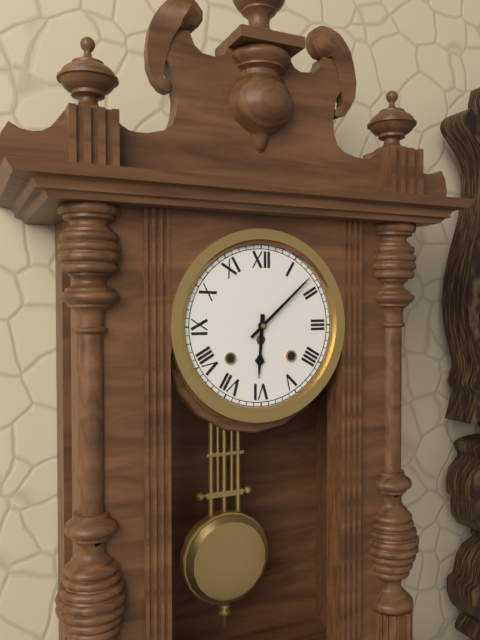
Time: h=6 m=8
